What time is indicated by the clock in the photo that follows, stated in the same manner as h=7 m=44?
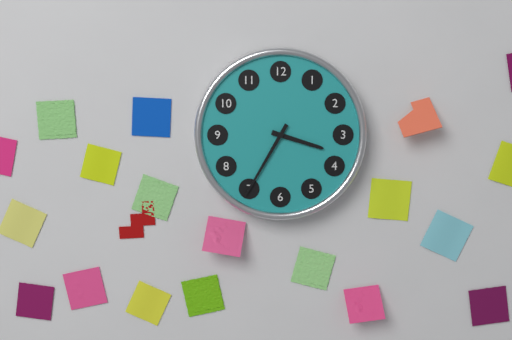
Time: h=3 m=35
